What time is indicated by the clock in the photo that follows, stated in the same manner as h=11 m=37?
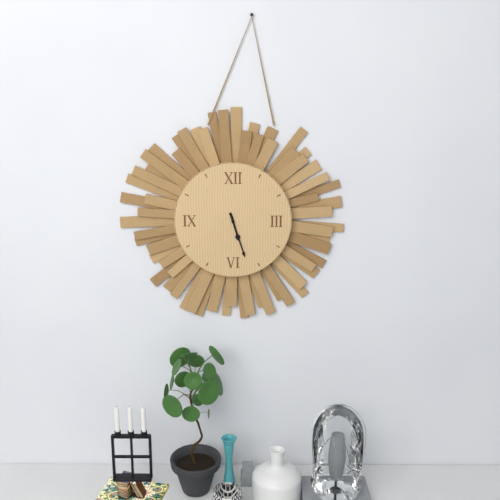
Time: h=5 m=27
